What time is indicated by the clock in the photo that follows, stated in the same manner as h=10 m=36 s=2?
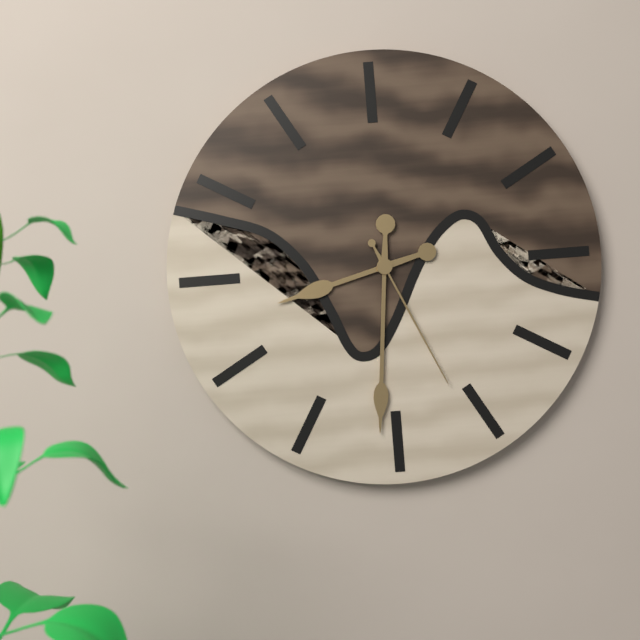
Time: h=8 m=31 s=26
